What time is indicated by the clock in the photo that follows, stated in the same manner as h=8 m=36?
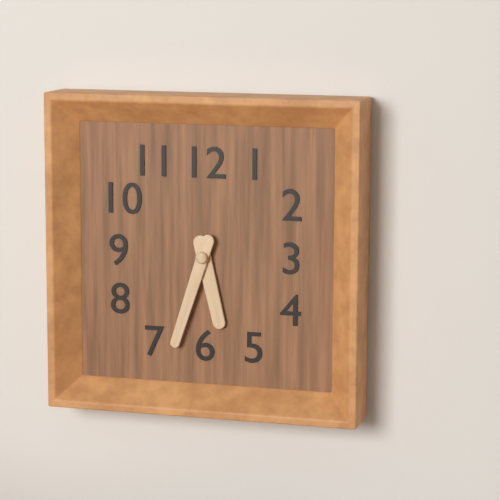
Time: h=5 m=33
